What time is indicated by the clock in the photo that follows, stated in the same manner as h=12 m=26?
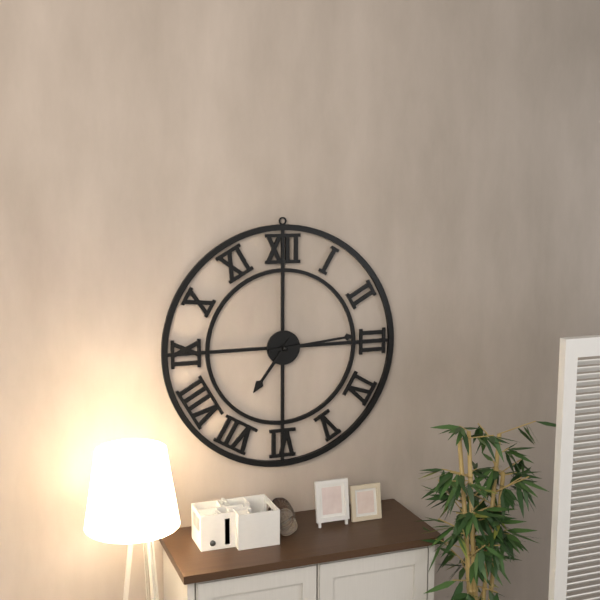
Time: h=7 m=14
